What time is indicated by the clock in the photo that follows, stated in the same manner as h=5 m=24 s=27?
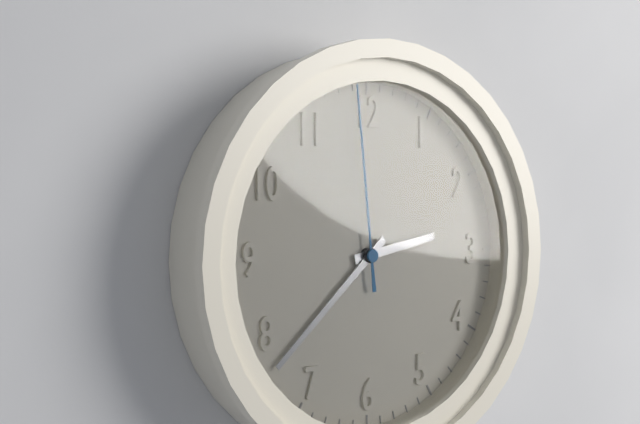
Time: h=2 m=38 s=59
